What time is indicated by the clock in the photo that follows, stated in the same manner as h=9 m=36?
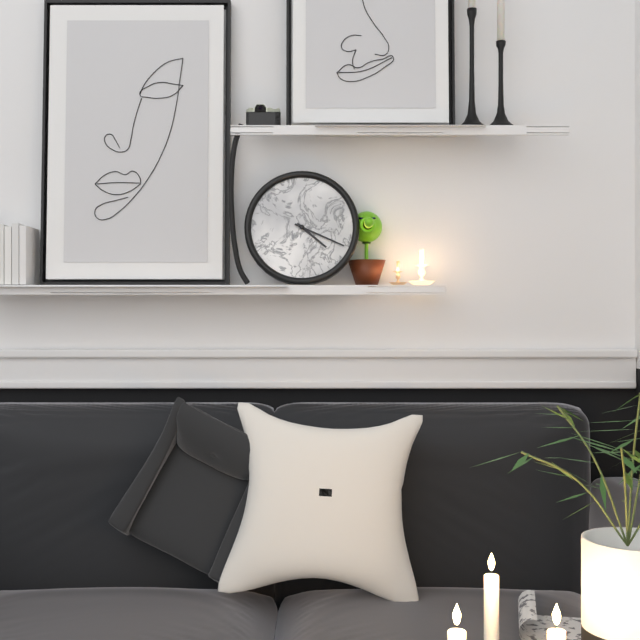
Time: h=4 m=19
